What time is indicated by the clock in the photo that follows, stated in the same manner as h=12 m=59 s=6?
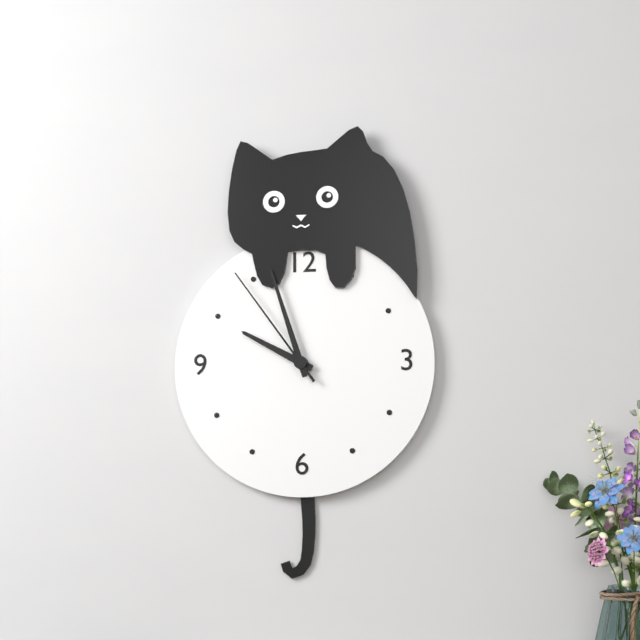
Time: h=9 m=57 s=54
